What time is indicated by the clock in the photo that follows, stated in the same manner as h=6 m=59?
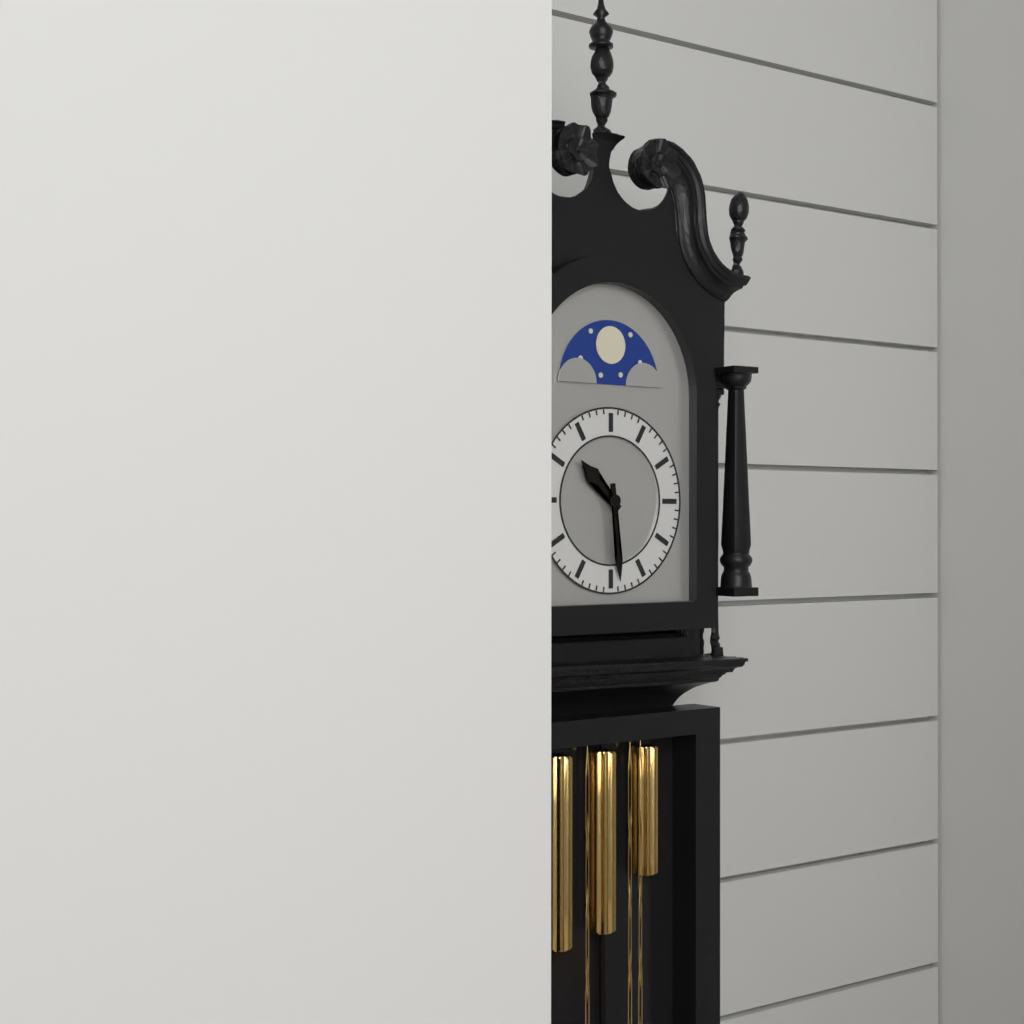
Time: h=10 m=29
